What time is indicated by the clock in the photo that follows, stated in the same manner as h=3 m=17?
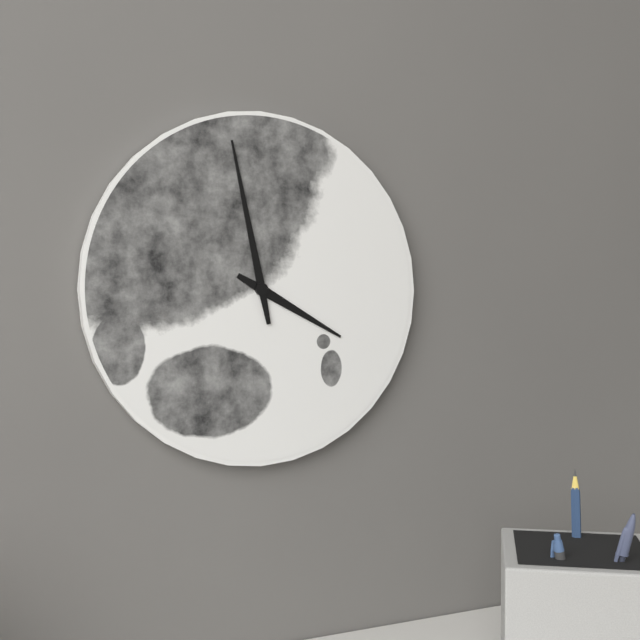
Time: h=3 m=58
